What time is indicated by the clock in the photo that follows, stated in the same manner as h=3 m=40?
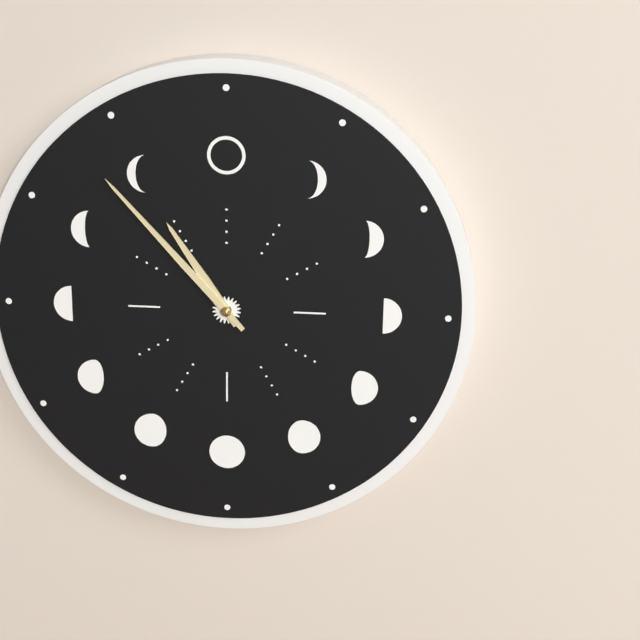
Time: h=10 m=53
